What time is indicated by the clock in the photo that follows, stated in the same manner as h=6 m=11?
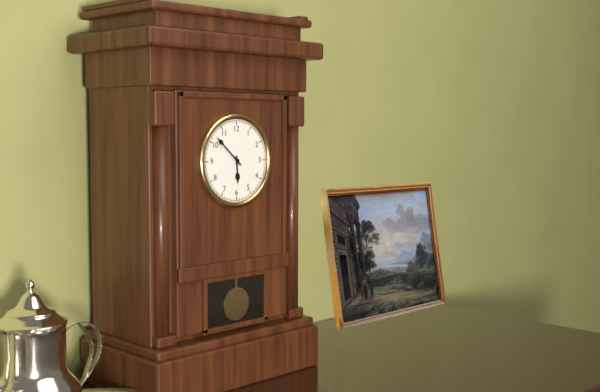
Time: h=5 m=52
